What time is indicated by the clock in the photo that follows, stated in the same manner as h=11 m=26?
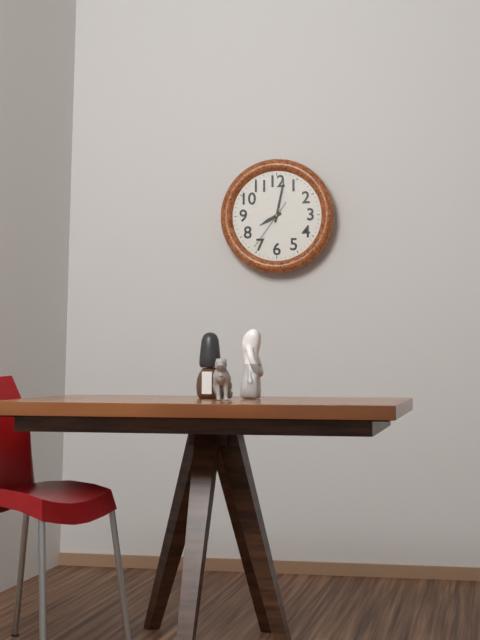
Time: h=8 m=2
